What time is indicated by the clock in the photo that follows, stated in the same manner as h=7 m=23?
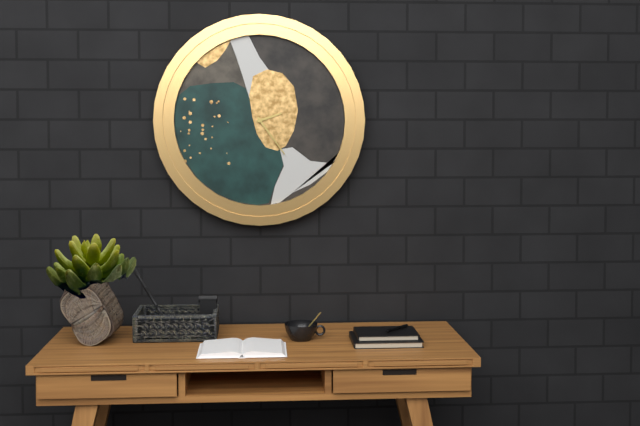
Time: h=2 m=24
